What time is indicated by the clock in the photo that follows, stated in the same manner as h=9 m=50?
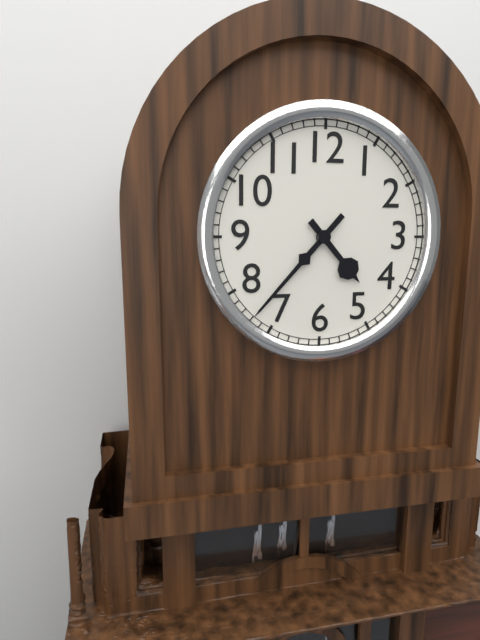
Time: h=4 m=37
